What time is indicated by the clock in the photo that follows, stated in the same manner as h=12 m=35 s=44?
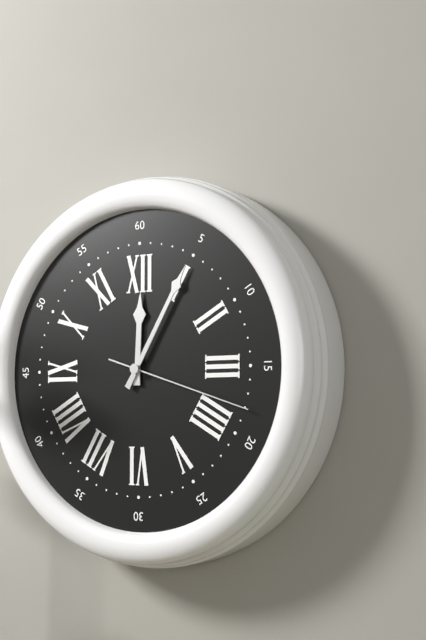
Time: h=12 m=5 s=18
